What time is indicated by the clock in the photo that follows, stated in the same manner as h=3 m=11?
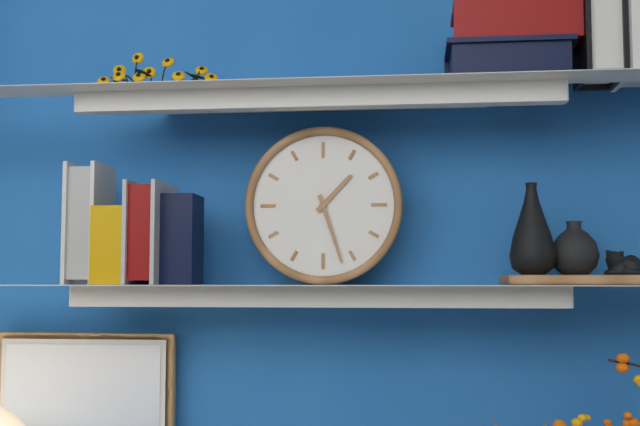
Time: h=1 m=27
